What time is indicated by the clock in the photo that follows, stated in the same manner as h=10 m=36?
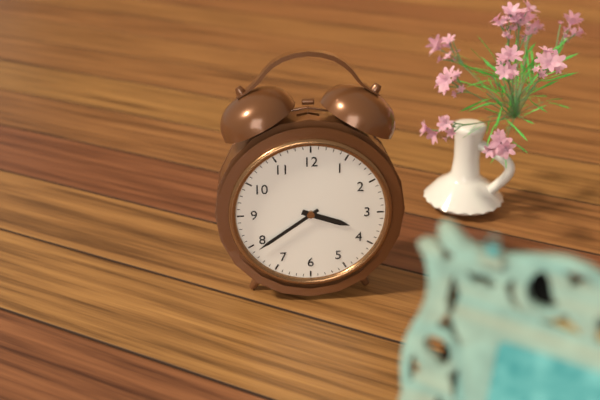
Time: h=3 m=39
